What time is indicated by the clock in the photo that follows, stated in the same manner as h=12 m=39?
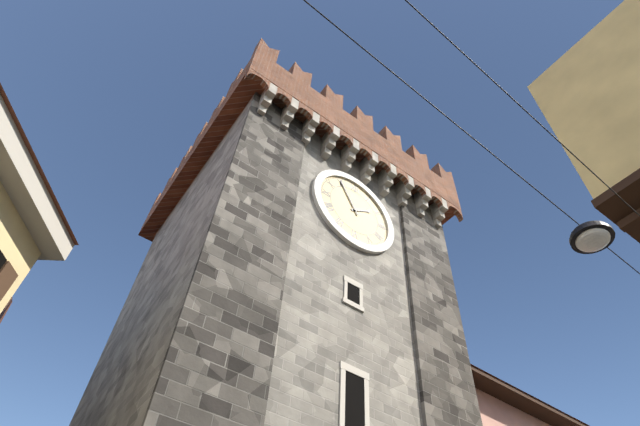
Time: h=1 m=55
